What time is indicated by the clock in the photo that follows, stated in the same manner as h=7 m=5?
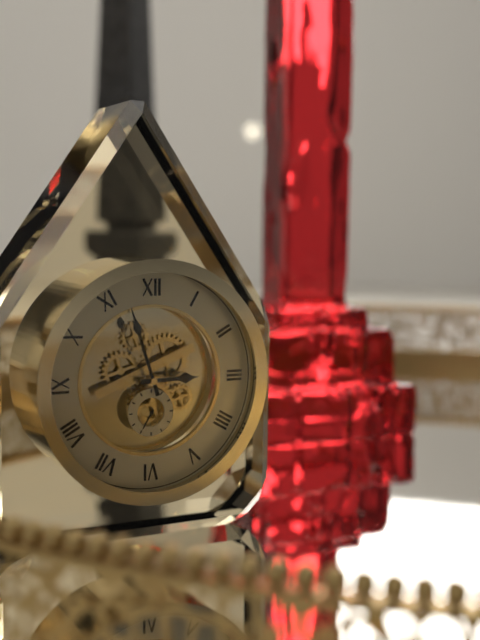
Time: h=2 m=57
